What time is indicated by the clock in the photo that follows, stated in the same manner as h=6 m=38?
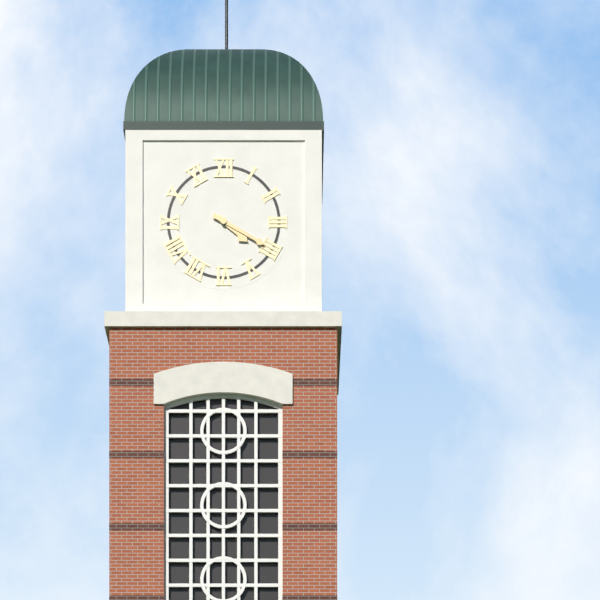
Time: h=4 m=20
